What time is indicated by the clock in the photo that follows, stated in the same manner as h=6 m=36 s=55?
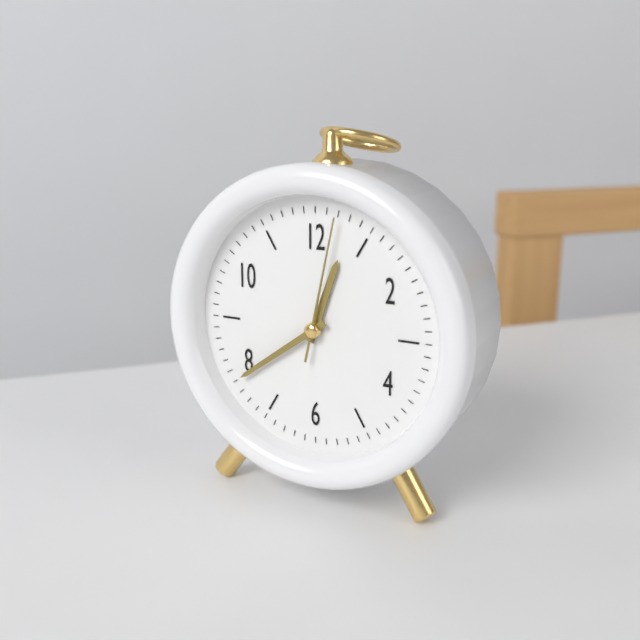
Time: h=12 m=39 s=2
